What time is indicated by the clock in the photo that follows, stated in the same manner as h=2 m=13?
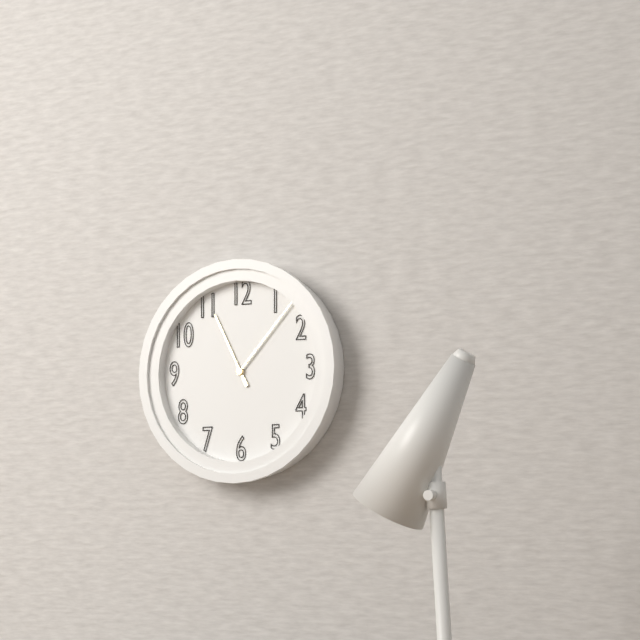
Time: h=11 m=7
